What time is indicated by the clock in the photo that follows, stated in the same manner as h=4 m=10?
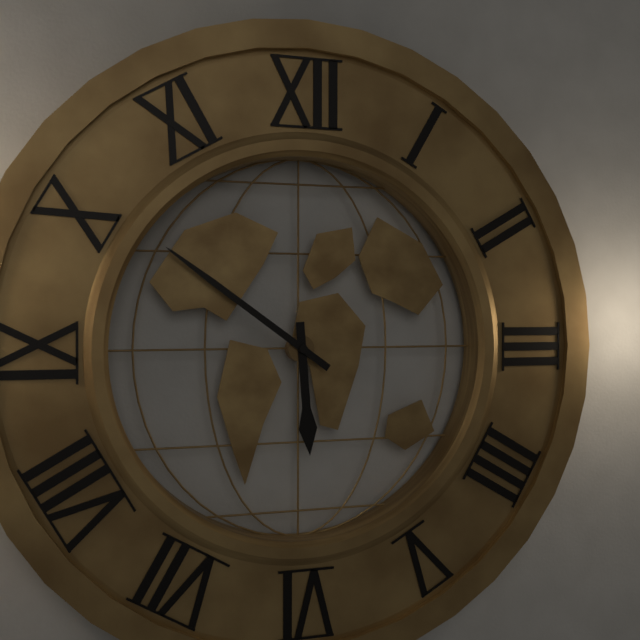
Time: h=5 m=51
